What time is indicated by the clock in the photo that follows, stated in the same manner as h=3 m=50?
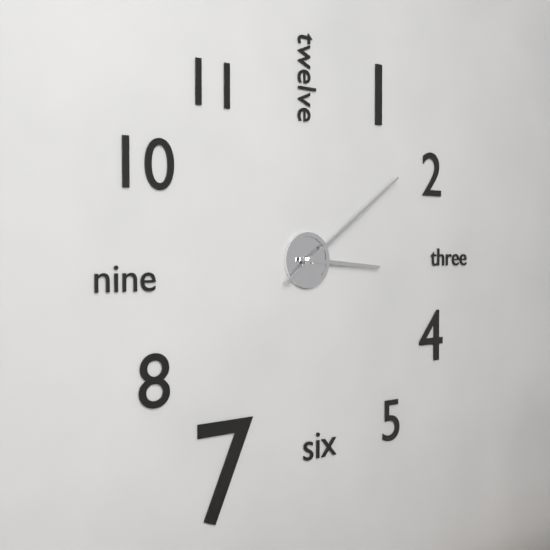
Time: h=3 m=9
